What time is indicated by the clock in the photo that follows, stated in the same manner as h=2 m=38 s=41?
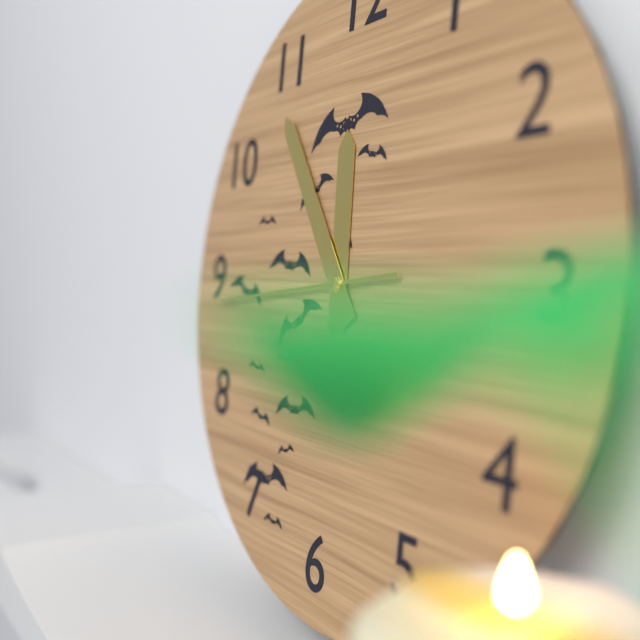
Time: h=11 m=54 s=44
